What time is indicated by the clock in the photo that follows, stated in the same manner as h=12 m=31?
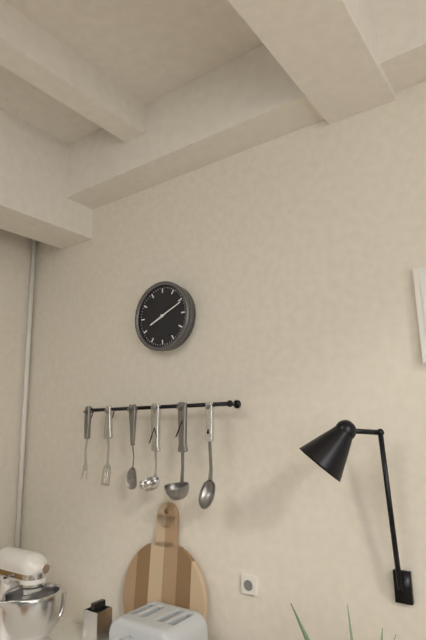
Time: h=8 m=11
